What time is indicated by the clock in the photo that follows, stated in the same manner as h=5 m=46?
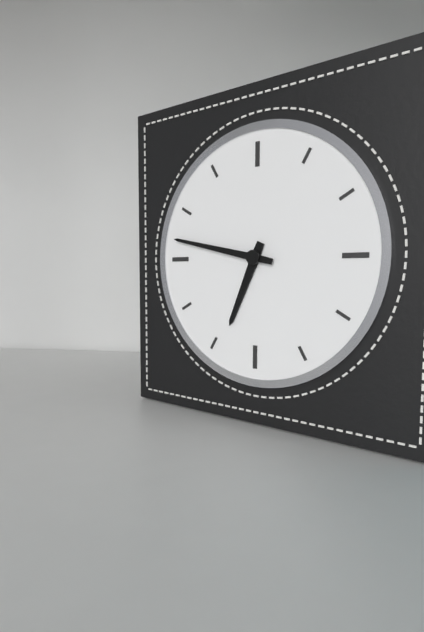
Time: h=6 m=47
